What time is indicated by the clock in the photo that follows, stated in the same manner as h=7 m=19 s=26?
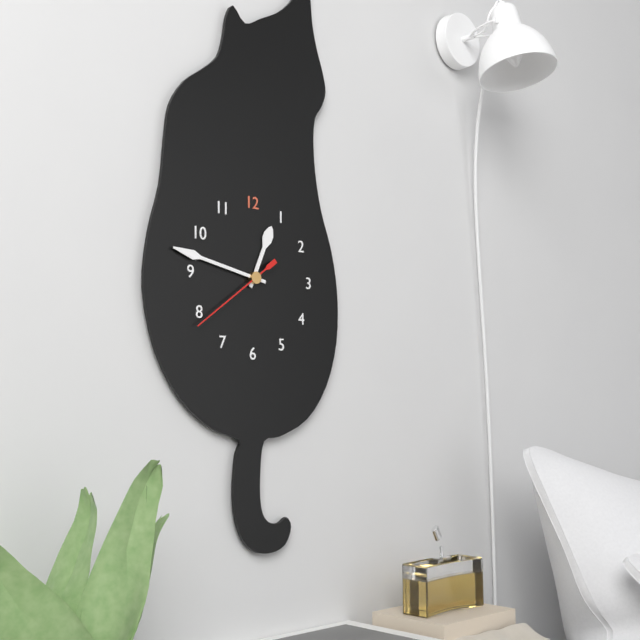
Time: h=12 m=47 s=39
